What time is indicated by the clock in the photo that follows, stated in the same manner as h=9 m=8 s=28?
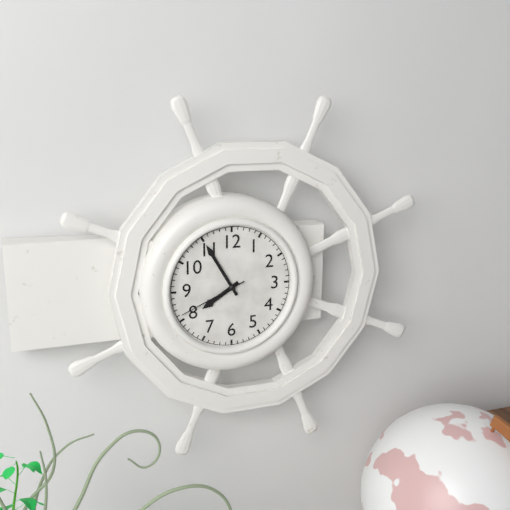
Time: h=7 m=55 s=41
